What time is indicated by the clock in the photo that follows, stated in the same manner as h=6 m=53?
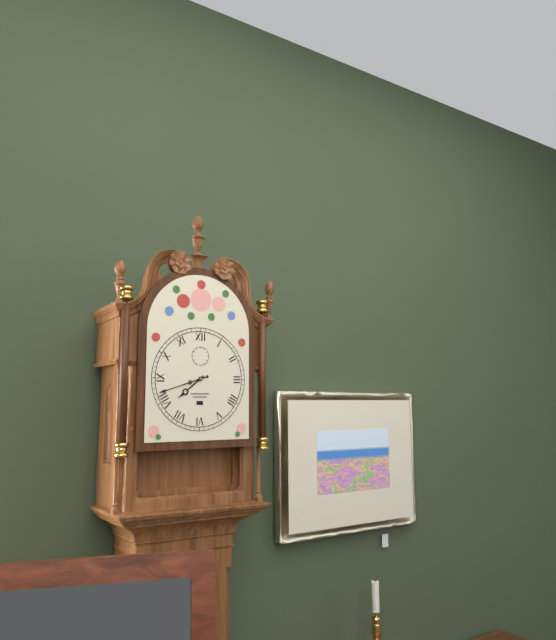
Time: h=7 m=42
